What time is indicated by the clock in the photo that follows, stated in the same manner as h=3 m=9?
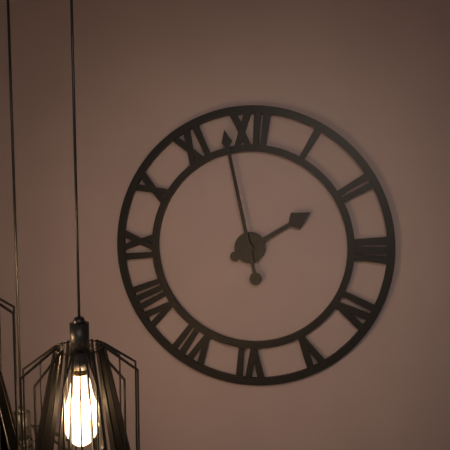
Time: h=1 m=58
